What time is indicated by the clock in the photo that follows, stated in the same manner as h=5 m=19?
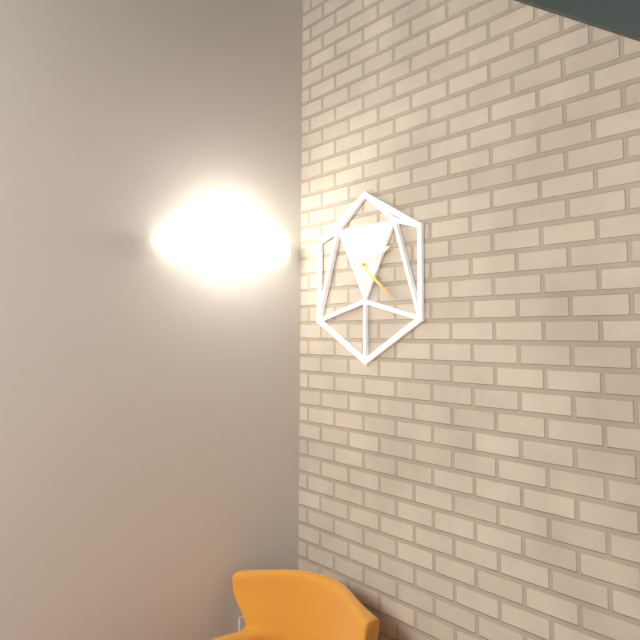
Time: h=2 m=21
